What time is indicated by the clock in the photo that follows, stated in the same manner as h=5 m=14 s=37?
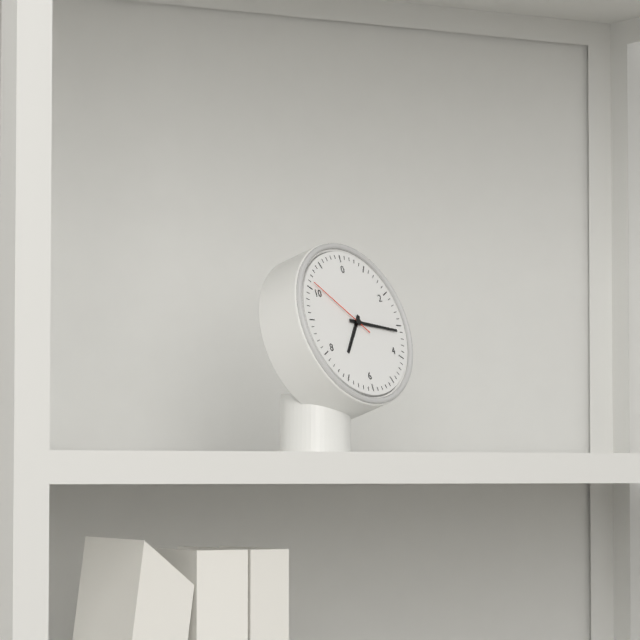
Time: h=7 m=16 s=51
